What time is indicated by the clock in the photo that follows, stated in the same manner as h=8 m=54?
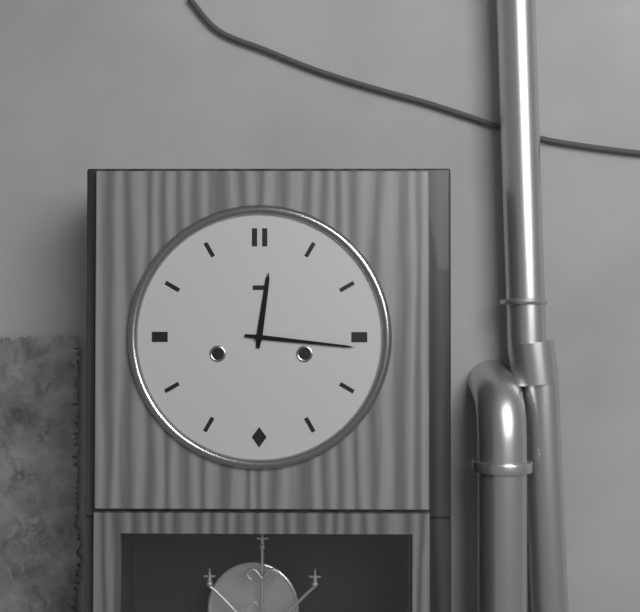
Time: h=12 m=16
